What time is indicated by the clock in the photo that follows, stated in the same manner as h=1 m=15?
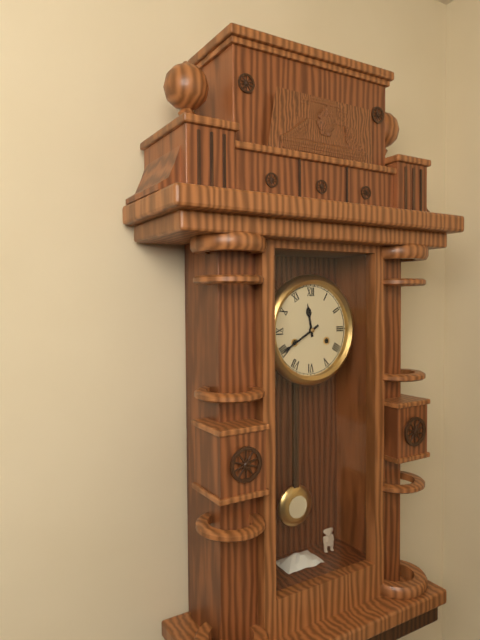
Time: h=11 m=40
